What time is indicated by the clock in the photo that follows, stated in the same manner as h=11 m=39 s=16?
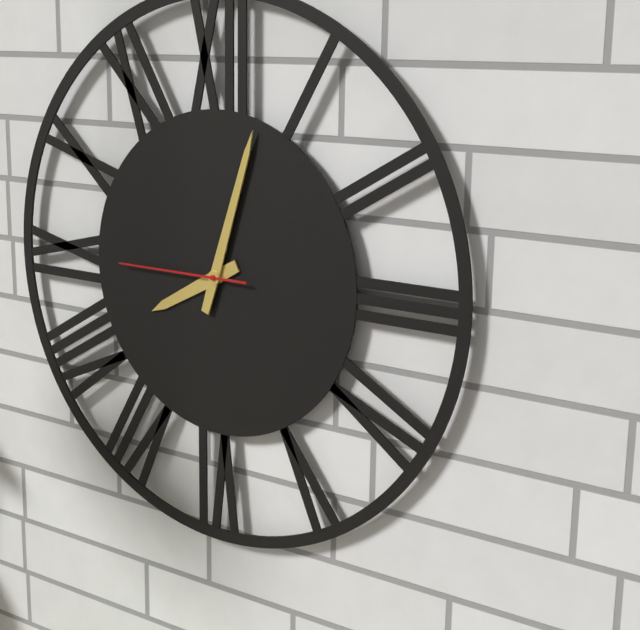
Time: h=8 m=3 s=45
